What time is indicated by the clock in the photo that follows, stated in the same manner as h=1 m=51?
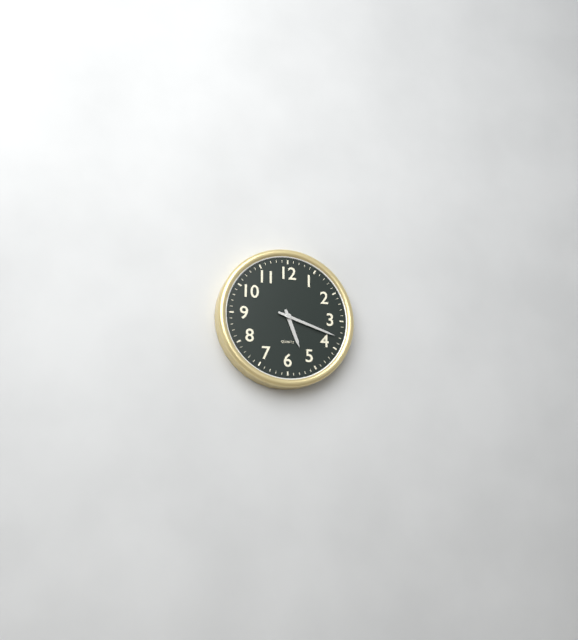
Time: h=5 m=18
